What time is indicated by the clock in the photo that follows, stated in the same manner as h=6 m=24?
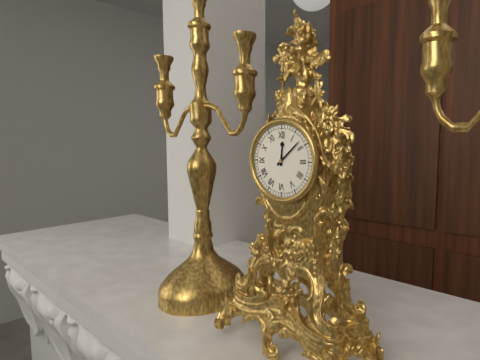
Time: h=12 m=8
